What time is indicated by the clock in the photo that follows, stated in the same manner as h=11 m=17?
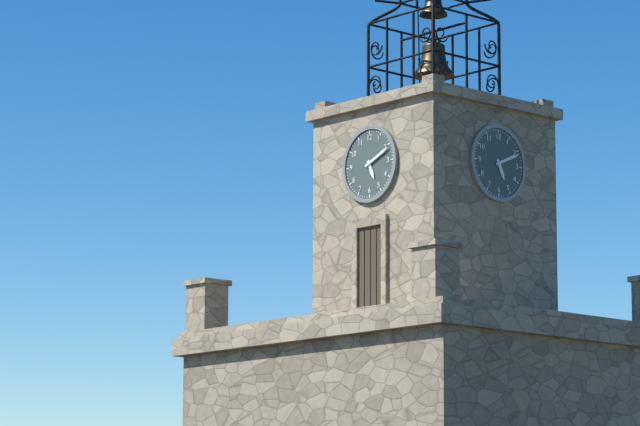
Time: h=5 m=11
